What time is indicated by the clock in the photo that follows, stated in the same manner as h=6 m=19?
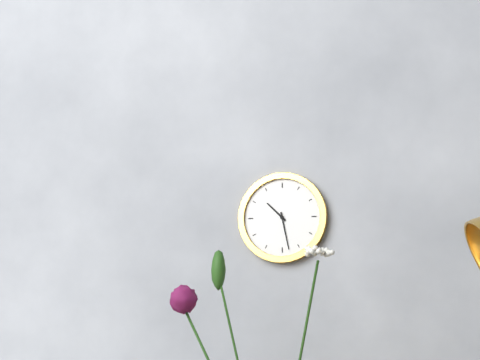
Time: h=10 m=28
